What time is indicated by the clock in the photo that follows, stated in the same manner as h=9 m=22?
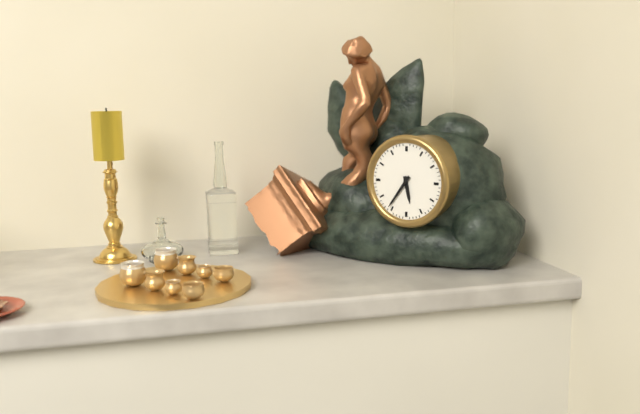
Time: h=5 m=36
